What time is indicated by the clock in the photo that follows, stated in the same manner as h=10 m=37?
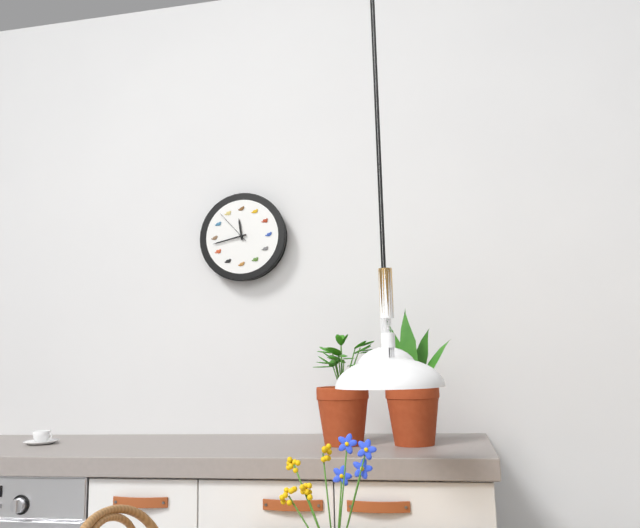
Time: h=11 m=43
